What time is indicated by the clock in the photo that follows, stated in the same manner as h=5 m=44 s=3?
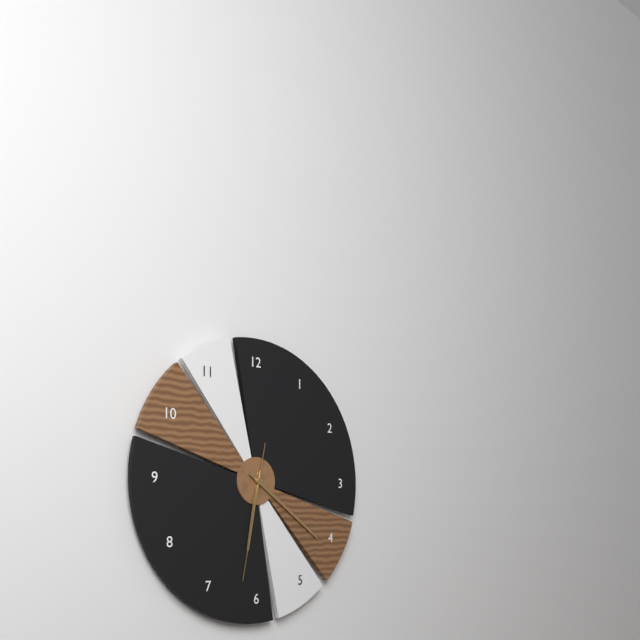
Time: h=6 m=21 s=32
